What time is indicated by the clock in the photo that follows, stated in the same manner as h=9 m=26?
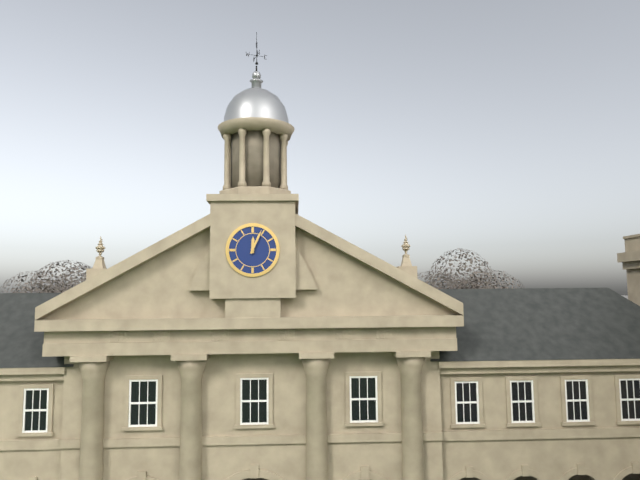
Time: h=12 m=4
